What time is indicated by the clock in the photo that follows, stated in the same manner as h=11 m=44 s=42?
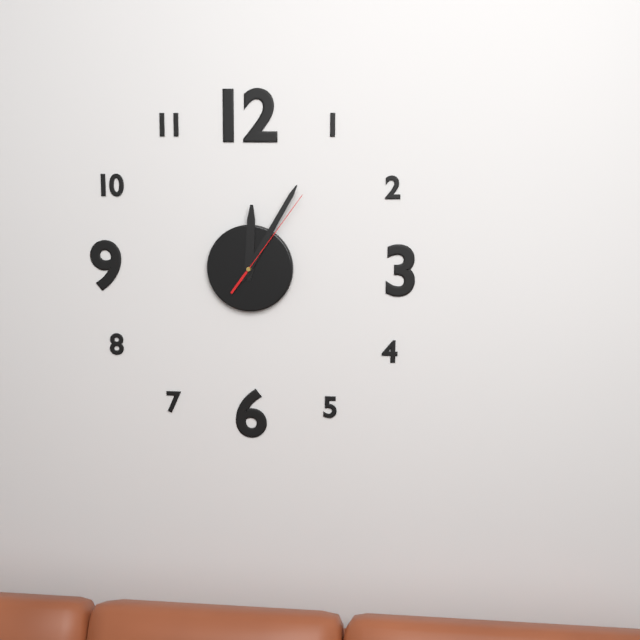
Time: h=12 m=5 s=6
